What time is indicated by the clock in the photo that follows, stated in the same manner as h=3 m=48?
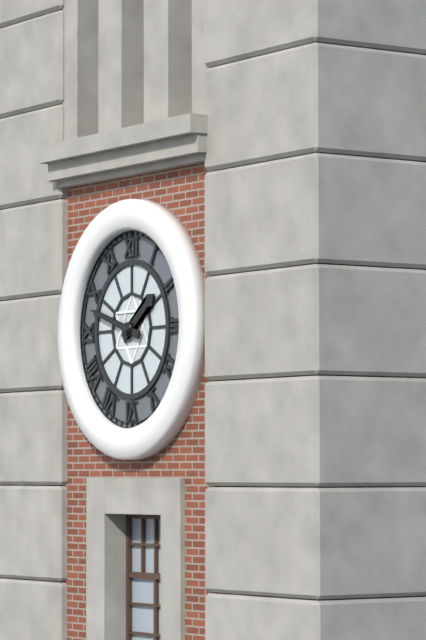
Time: h=1 m=48
